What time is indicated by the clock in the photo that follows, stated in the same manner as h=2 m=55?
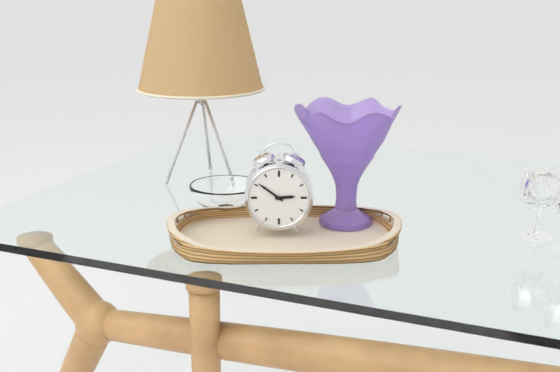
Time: h=2 m=51
